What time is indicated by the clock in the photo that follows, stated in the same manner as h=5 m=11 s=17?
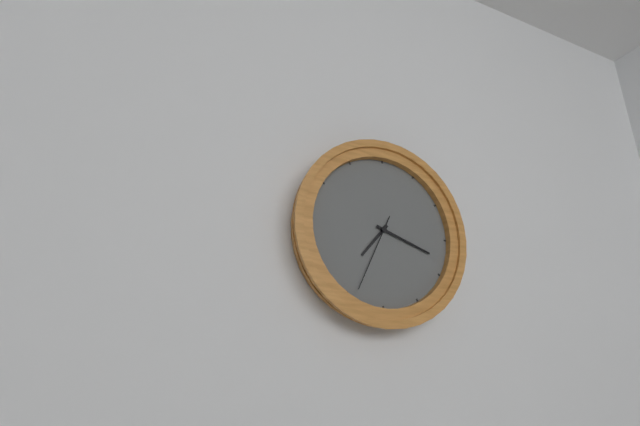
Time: h=7 m=18 s=34
